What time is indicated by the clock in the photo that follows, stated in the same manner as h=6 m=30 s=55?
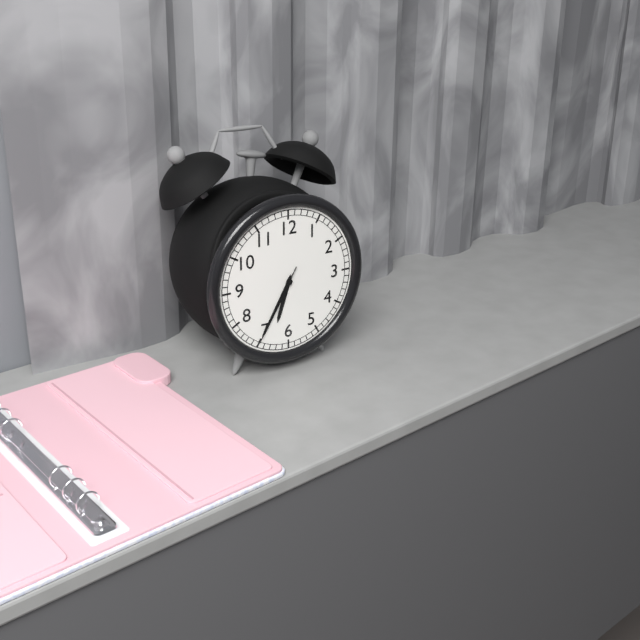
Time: h=6 m=35 s=35
